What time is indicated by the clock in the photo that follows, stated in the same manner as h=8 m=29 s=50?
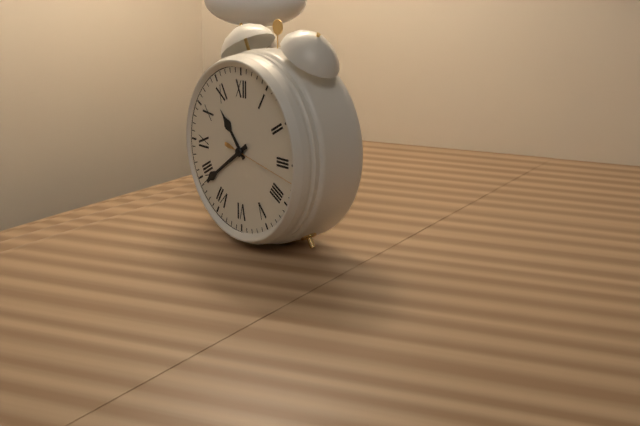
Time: h=10 m=39 s=17
